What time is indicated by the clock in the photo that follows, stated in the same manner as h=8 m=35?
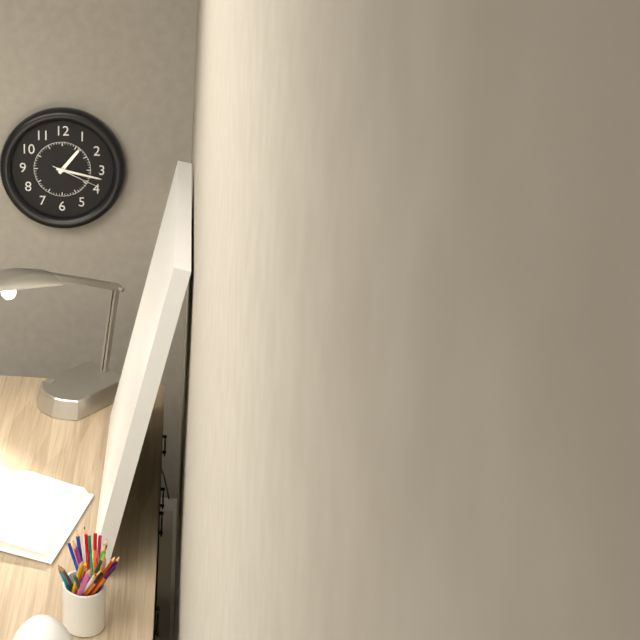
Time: h=1 m=17
